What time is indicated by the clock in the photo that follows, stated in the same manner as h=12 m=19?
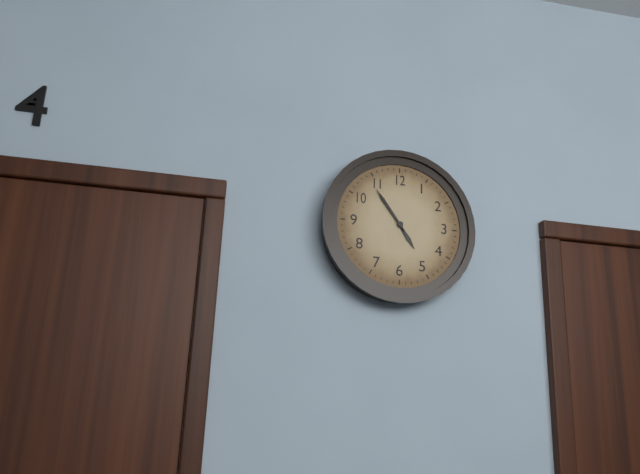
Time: h=4 m=54
